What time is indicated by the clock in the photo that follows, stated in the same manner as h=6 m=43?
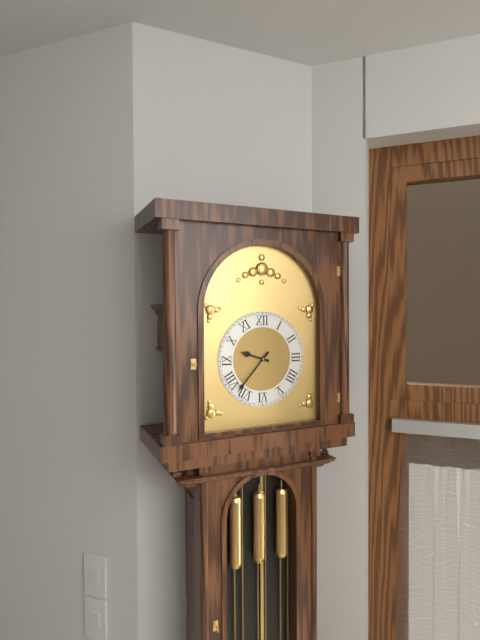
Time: h=9 m=37
